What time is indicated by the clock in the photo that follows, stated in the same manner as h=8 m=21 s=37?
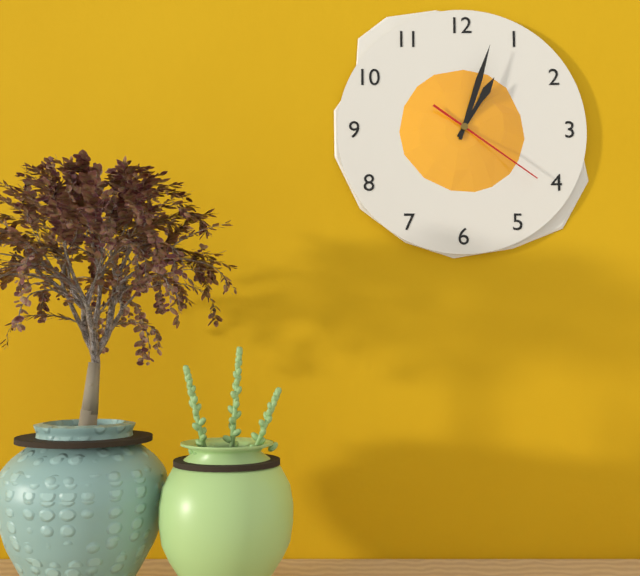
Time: h=1 m=3 s=21
